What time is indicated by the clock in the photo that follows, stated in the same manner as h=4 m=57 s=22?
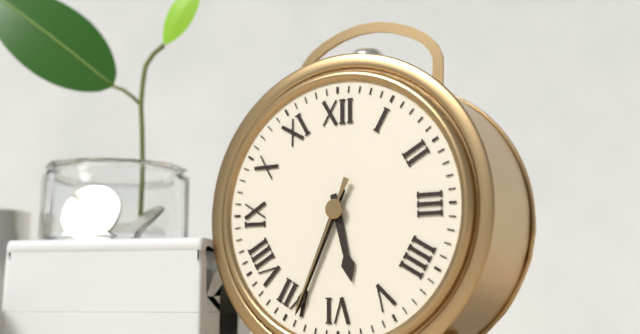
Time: h=5 m=34 s=34
